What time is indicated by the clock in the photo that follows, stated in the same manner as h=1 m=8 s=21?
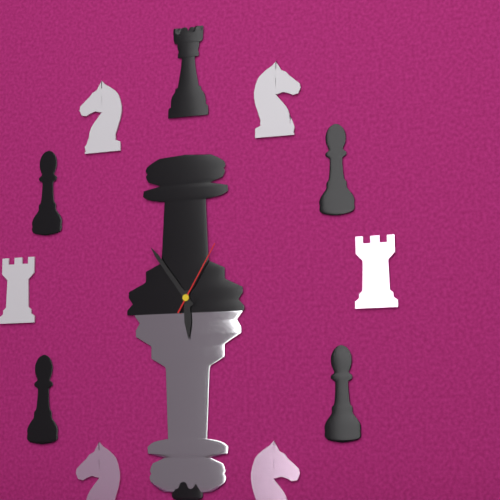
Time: h=5 m=54 s=5
